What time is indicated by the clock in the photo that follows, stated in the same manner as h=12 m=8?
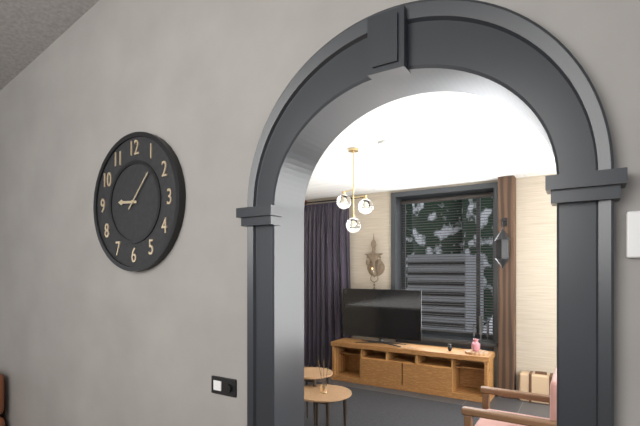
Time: h=9 m=7
